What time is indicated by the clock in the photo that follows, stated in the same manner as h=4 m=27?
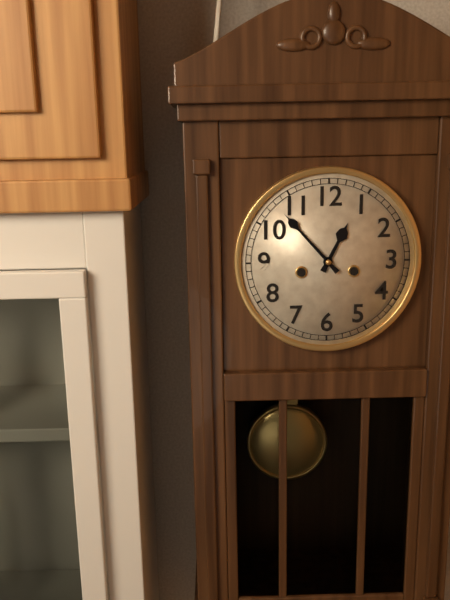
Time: h=12 m=53
